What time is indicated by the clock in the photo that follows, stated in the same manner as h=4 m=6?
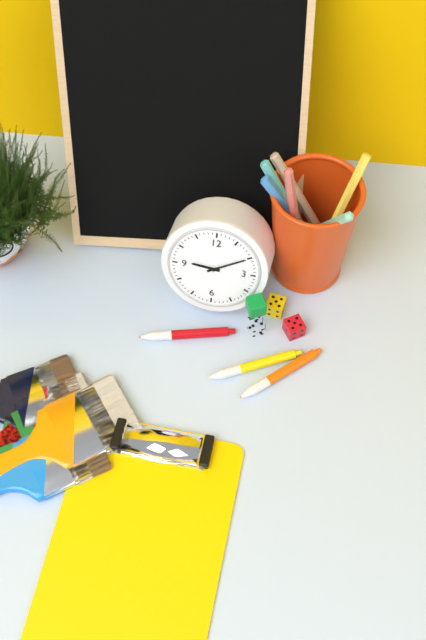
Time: h=9 m=10
